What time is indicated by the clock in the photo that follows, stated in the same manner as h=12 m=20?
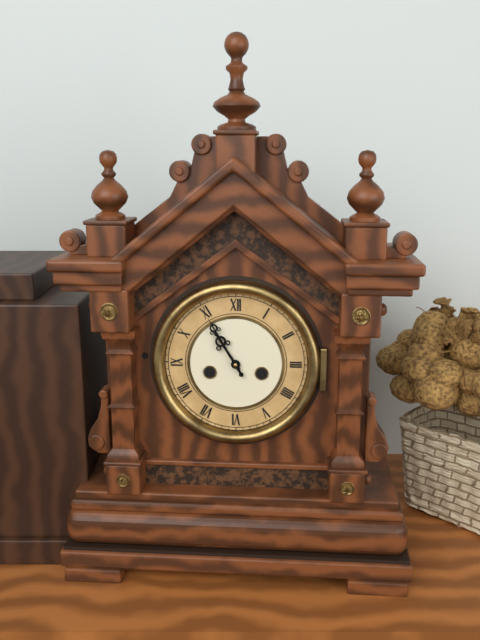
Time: h=10 m=55
